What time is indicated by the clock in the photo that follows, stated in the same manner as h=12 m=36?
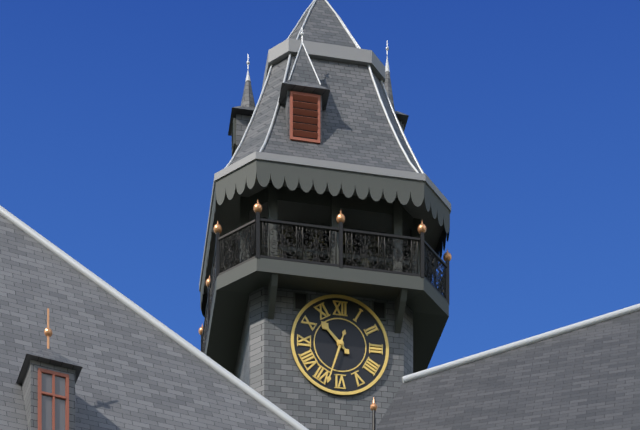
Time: h=10 m=33
